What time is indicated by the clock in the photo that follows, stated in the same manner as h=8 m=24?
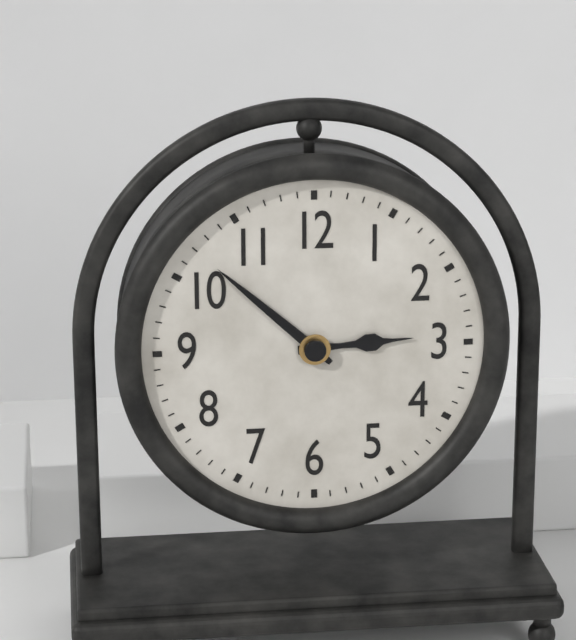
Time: h=2 m=52
